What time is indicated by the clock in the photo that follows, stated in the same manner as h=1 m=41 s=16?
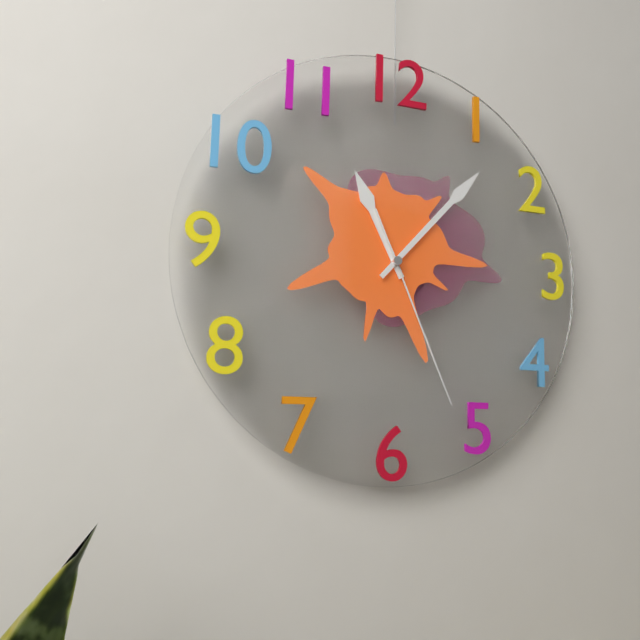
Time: h=11 m=7 s=26
